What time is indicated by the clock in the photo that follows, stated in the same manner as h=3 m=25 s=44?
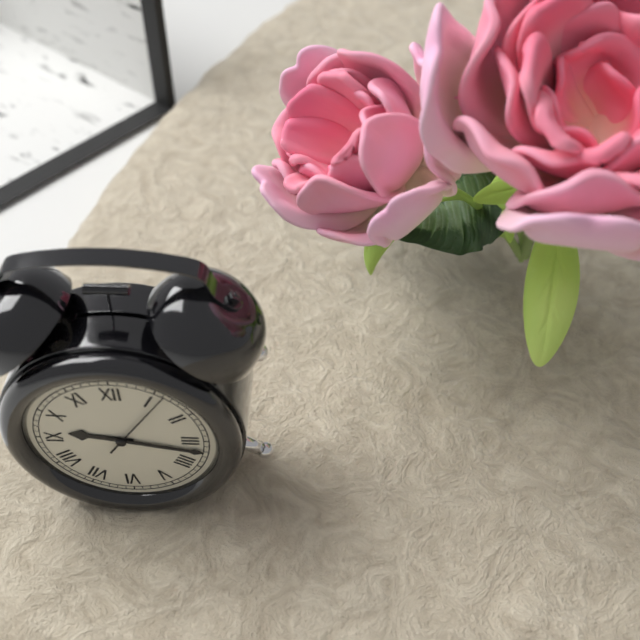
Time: h=9 m=17 s=6
